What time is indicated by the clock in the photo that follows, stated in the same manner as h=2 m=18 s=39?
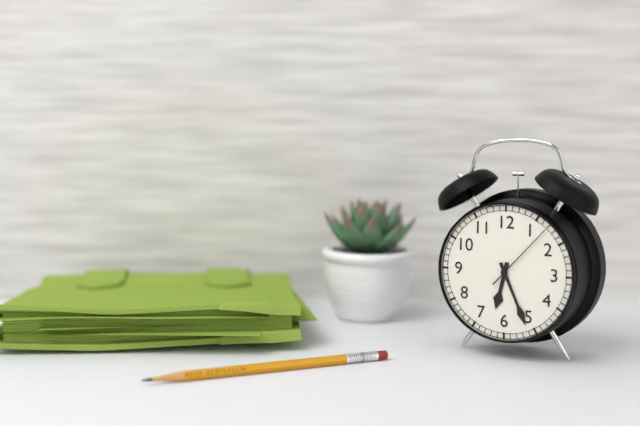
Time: h=6 m=26 s=7
